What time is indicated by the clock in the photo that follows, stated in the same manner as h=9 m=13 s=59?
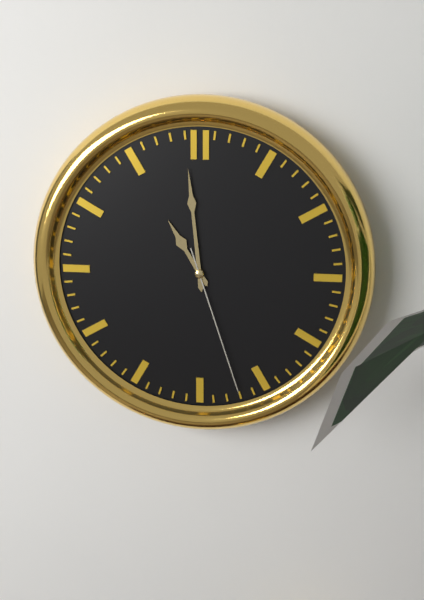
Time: h=10 m=59 s=27
